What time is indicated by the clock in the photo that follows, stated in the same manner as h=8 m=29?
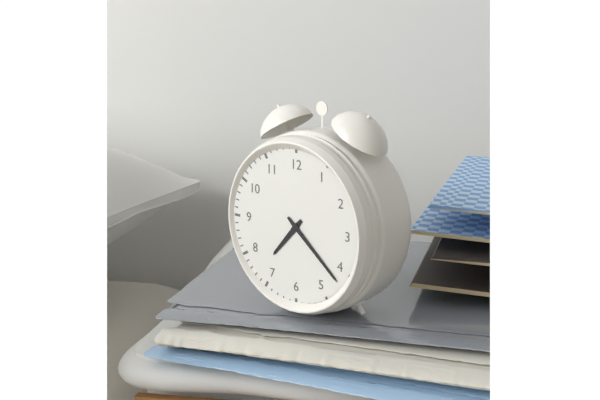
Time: h=7 m=22
